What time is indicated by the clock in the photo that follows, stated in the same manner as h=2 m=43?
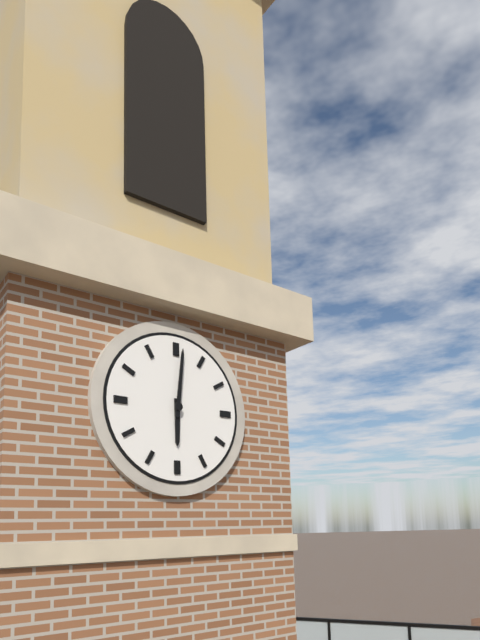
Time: h=6 m=1
